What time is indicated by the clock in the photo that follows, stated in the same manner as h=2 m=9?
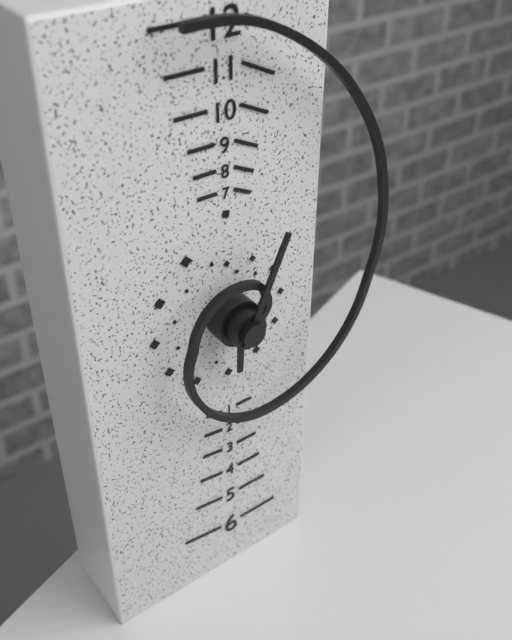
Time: h=6 m=4
